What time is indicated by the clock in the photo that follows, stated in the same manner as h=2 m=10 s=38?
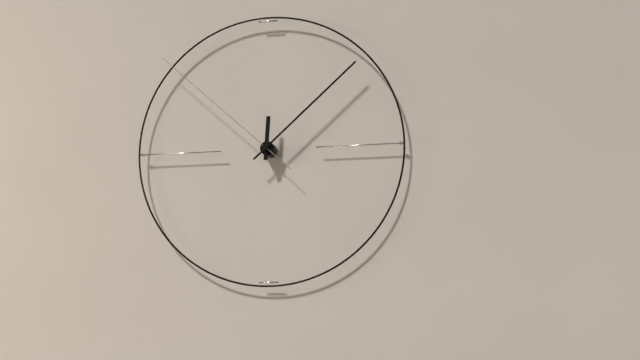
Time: h=12 m=8 s=52
